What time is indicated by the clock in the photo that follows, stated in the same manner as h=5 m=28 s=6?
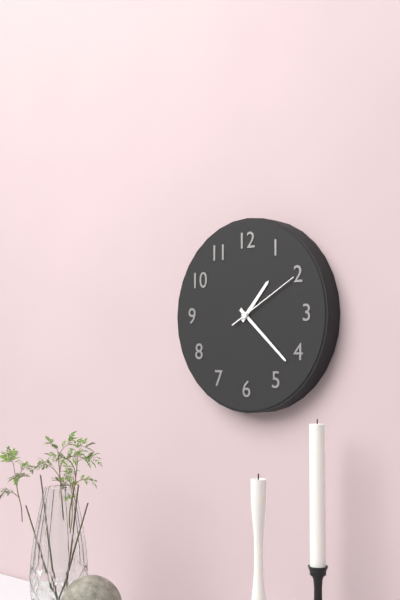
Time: h=1 m=22 s=10
